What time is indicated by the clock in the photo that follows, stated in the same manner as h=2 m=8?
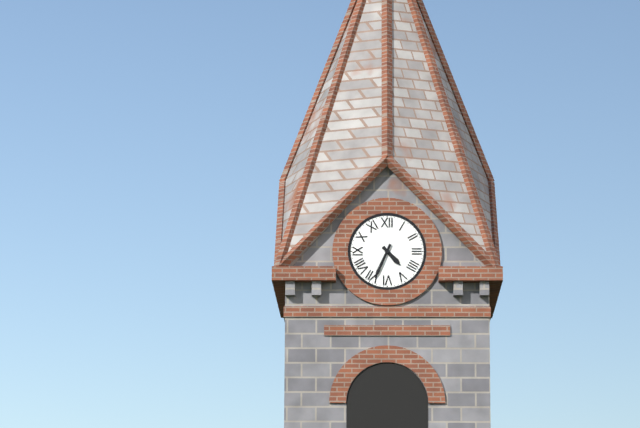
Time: h=4 m=34
